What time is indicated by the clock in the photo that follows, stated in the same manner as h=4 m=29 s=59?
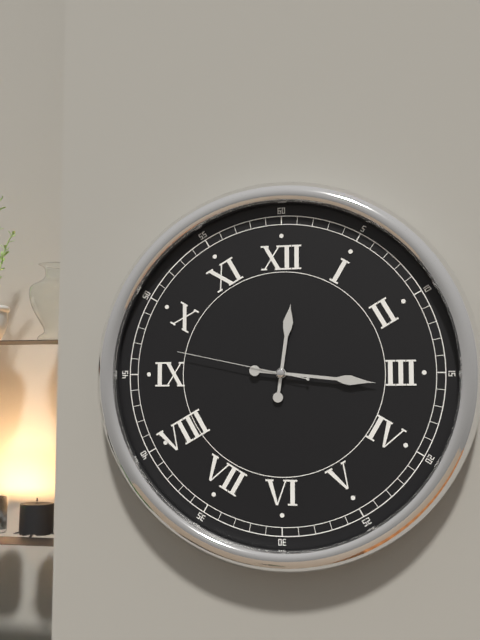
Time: h=12 m=16 s=47
